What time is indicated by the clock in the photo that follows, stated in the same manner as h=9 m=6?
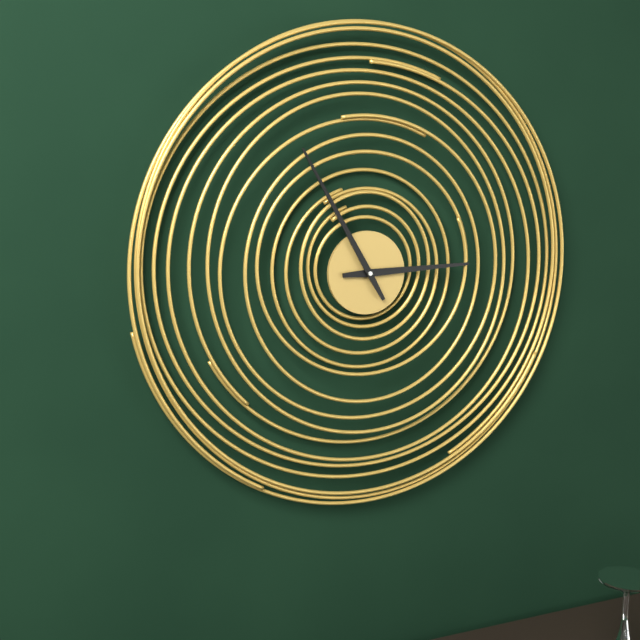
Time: h=2 m=55
